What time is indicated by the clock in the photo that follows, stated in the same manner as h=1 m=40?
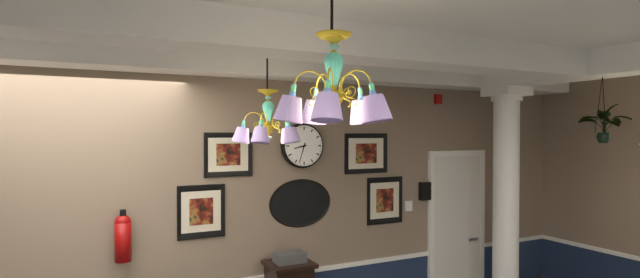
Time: h=8 m=33
